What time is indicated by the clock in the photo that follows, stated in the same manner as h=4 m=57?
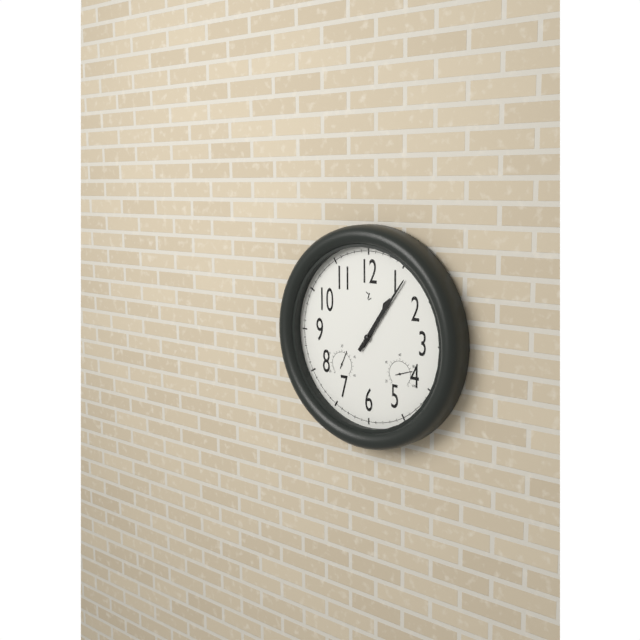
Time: h=1 m=6
